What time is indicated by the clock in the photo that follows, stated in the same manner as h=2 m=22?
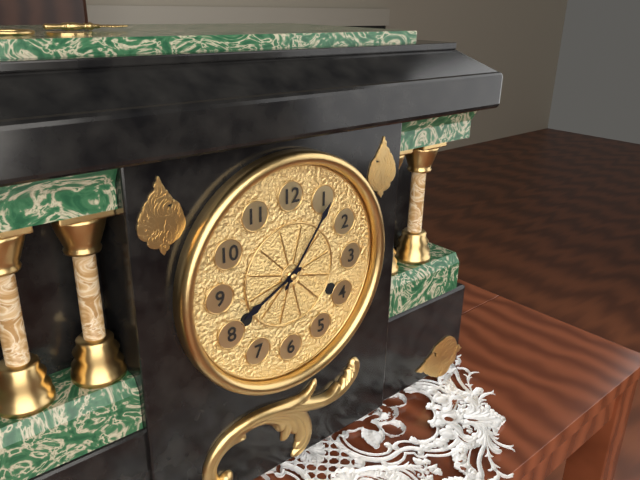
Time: h=8 m=6
